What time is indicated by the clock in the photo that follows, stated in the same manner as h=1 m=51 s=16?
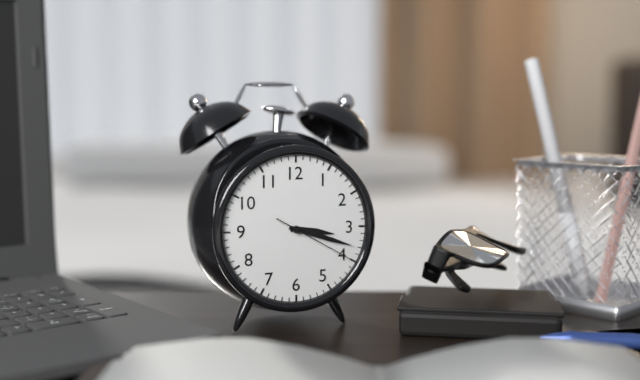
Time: h=3 m=18 s=20
